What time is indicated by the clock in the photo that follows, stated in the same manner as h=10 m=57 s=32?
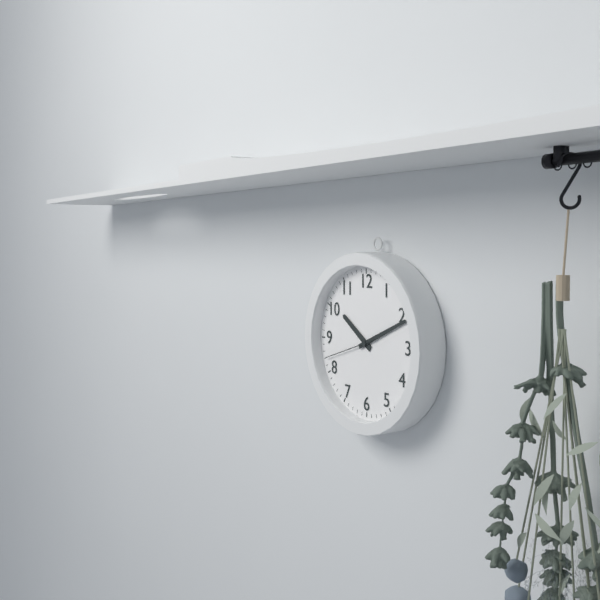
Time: h=10 m=11 s=42
